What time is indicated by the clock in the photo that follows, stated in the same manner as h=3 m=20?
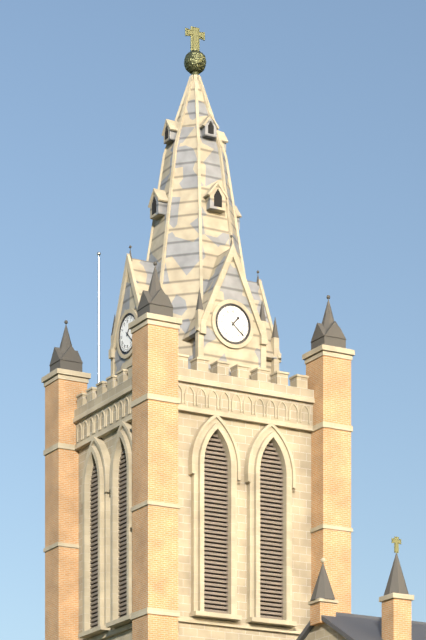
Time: h=1 m=22
